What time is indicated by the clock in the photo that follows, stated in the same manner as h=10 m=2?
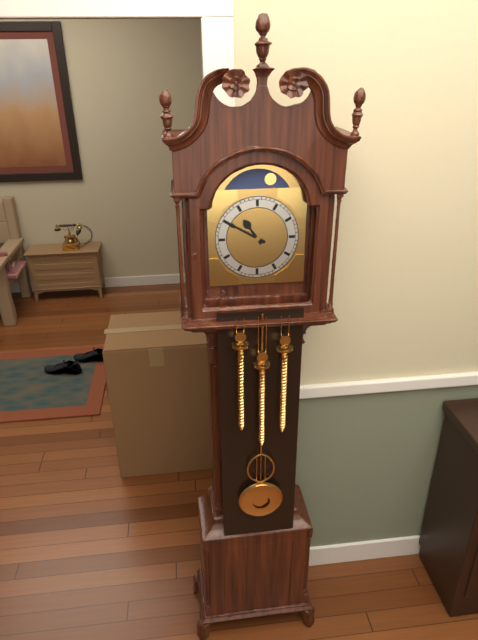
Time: h=10 m=50
